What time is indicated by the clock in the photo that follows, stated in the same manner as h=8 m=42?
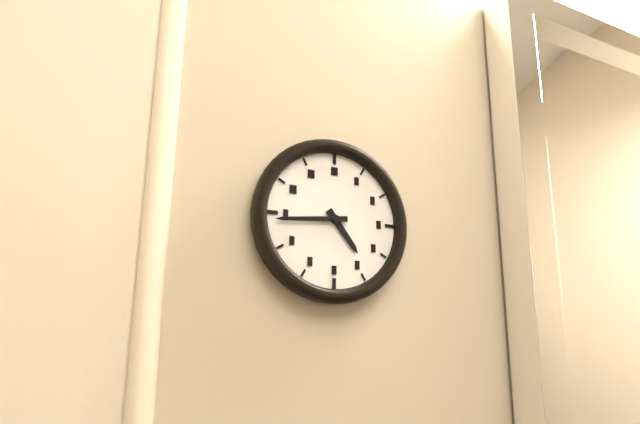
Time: h=4 m=44
